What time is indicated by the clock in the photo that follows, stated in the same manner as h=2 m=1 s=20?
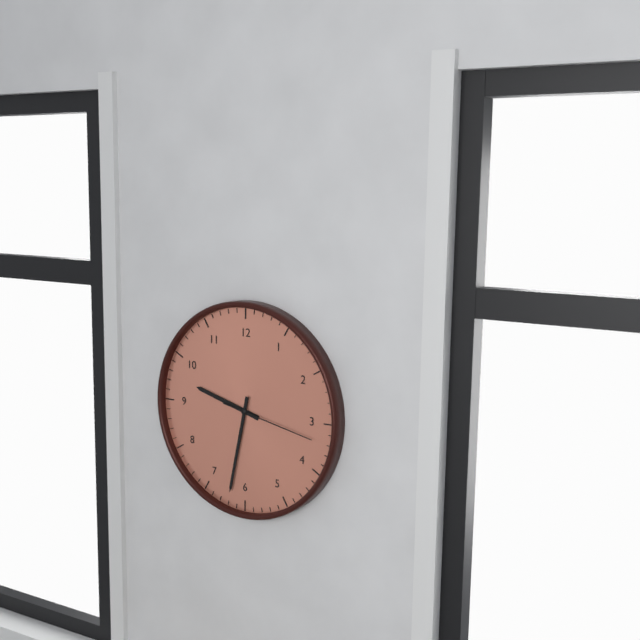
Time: h=9 m=32 s=17
